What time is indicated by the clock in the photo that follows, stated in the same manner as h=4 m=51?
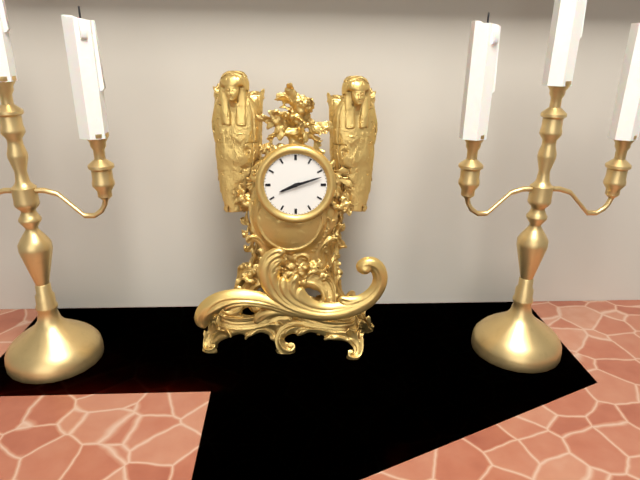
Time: h=8 m=12
